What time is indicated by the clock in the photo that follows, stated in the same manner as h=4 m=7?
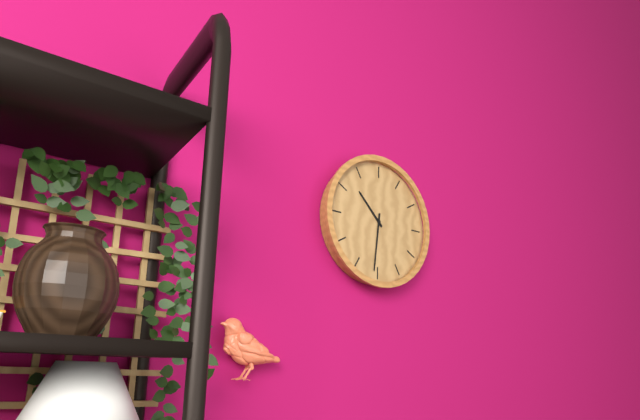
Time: h=10 m=31
